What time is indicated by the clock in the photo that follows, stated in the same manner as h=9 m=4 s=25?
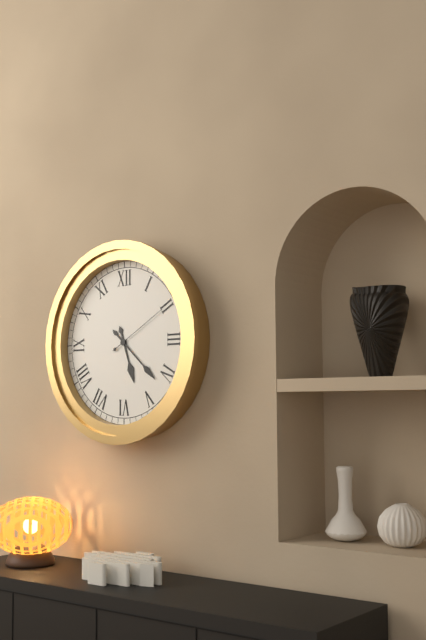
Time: h=5 m=22 s=10
